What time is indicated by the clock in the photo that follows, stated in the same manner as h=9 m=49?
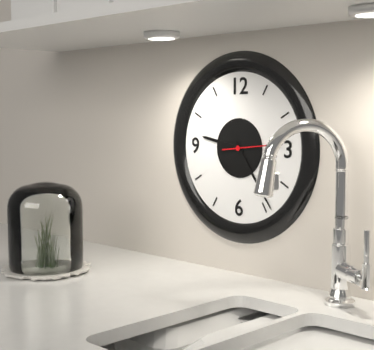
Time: h=9 m=24
